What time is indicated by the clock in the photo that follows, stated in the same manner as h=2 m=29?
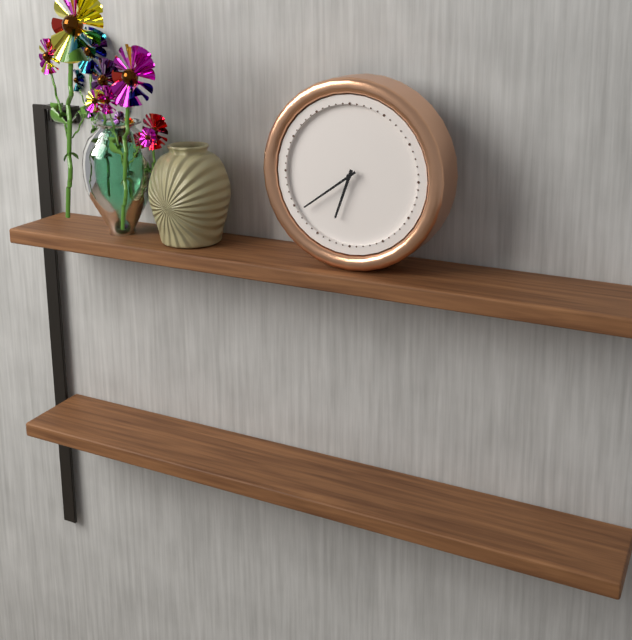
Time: h=6 m=39
